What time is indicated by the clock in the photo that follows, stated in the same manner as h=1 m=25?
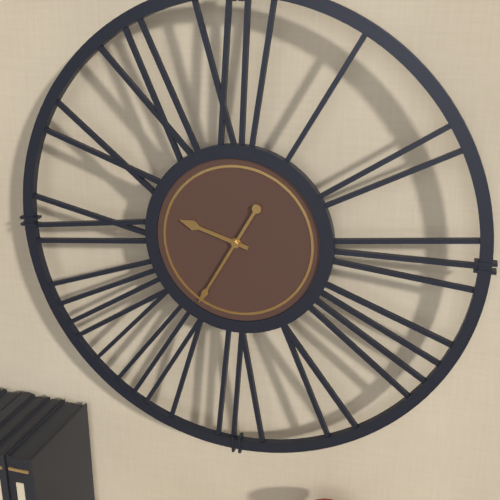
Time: h=9 m=35
